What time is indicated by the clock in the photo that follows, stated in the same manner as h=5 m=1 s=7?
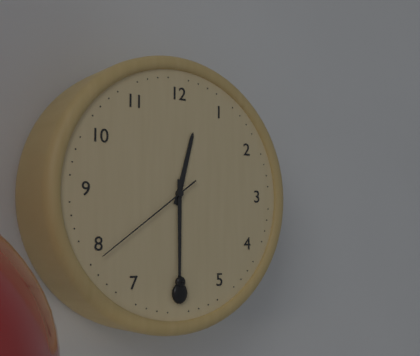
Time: h=12 m=30 s=39
